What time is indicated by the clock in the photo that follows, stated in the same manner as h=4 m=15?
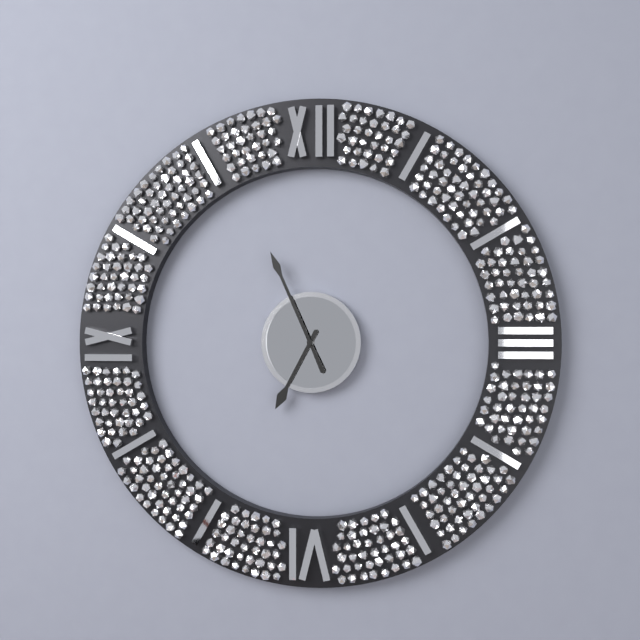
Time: h=6 m=56
